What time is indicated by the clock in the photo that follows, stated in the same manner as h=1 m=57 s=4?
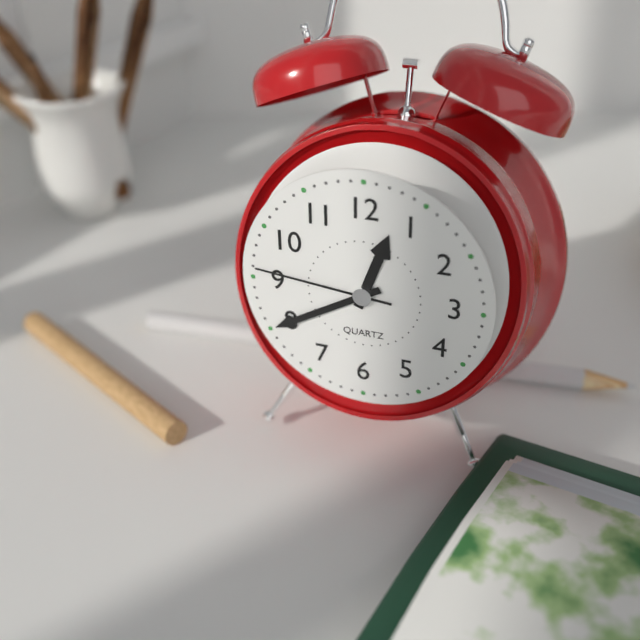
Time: h=12 m=40 s=46
